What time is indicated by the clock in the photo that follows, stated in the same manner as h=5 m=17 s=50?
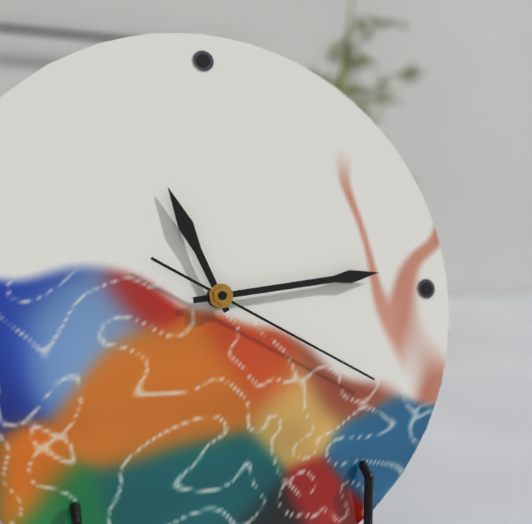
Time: h=11 m=14 s=20
